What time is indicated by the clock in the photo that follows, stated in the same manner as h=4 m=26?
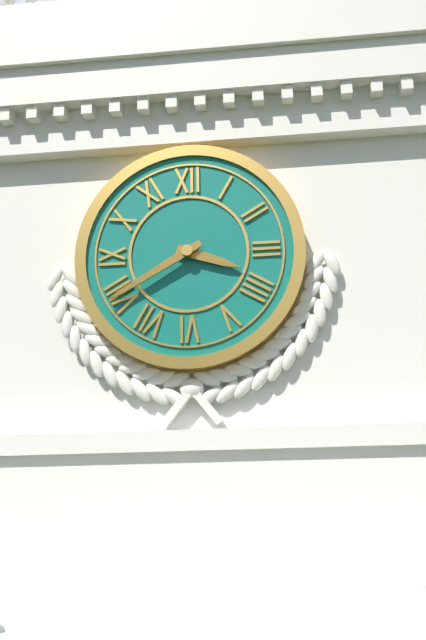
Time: h=3 m=40
